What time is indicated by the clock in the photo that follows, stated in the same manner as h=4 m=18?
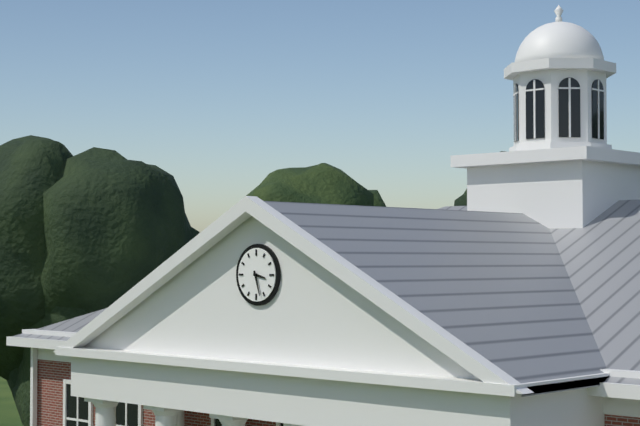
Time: h=3 m=27
